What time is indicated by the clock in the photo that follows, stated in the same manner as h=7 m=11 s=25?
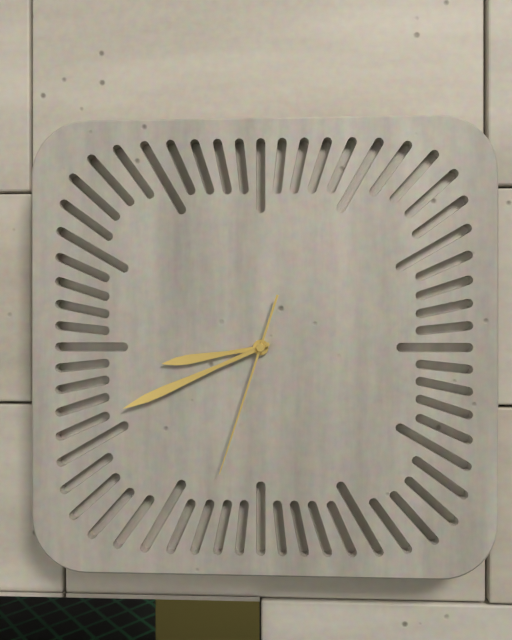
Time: h=8 m=41 s=33
